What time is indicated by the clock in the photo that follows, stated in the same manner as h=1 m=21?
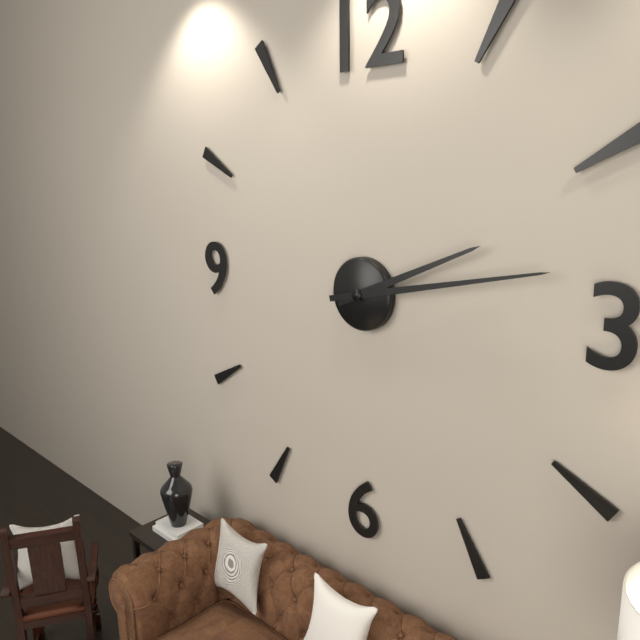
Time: h=2 m=13
